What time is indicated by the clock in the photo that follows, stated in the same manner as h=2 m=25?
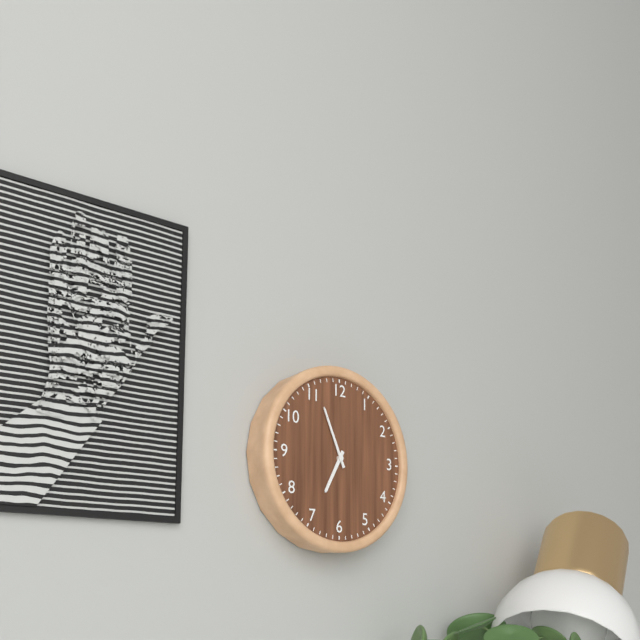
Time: h=6 m=56
